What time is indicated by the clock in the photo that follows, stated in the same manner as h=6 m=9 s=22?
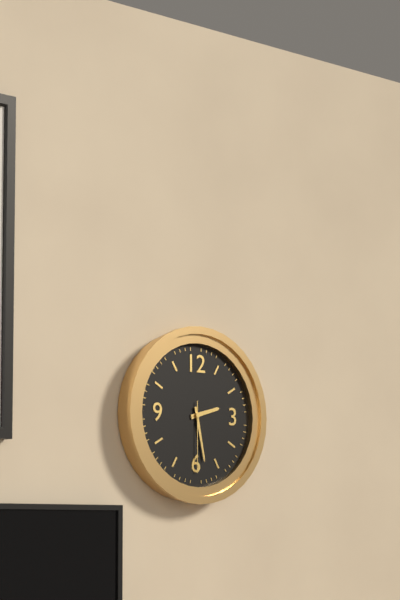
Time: h=2 m=28 s=30
